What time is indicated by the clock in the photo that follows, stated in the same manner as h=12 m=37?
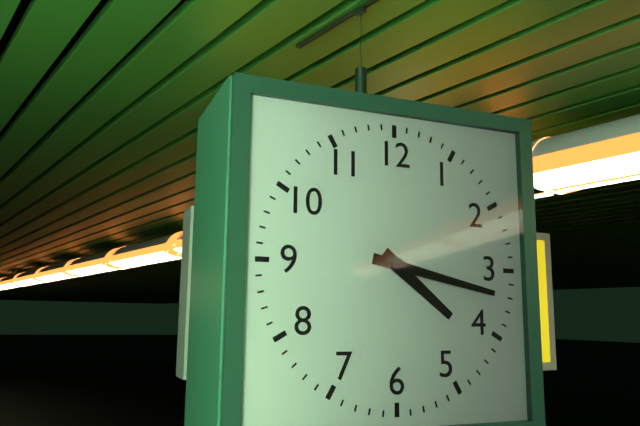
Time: h=4 m=17
